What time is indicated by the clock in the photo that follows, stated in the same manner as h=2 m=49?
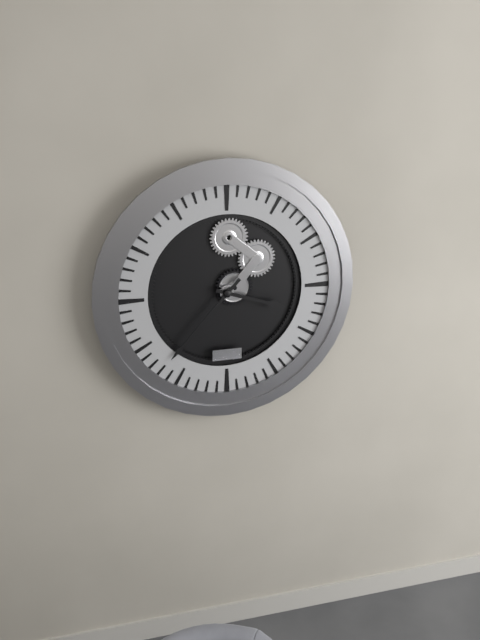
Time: h=3 m=37
